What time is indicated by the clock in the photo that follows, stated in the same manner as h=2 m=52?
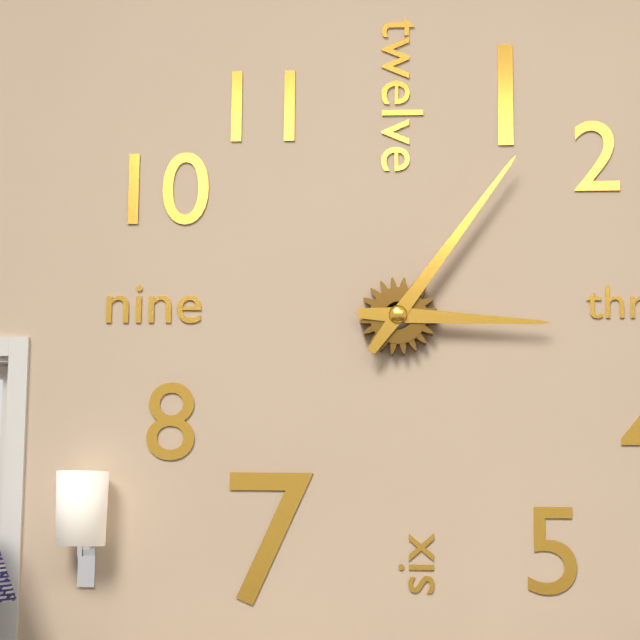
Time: h=3 m=6
